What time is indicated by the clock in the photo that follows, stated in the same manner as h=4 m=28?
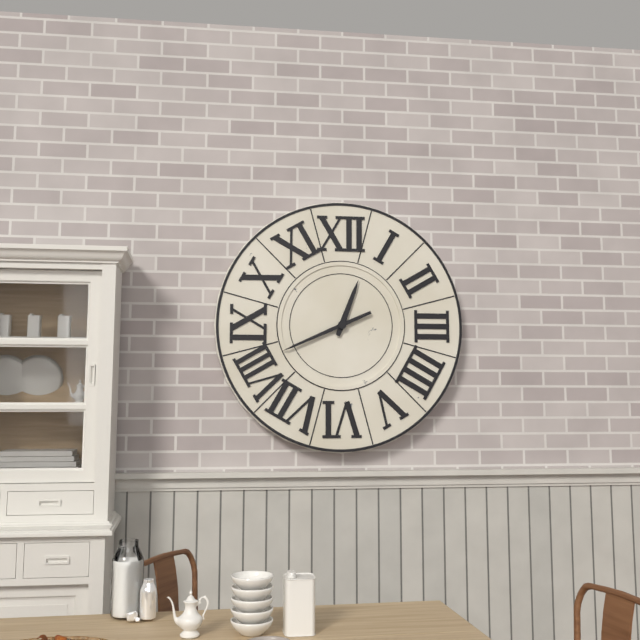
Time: h=12 m=41
